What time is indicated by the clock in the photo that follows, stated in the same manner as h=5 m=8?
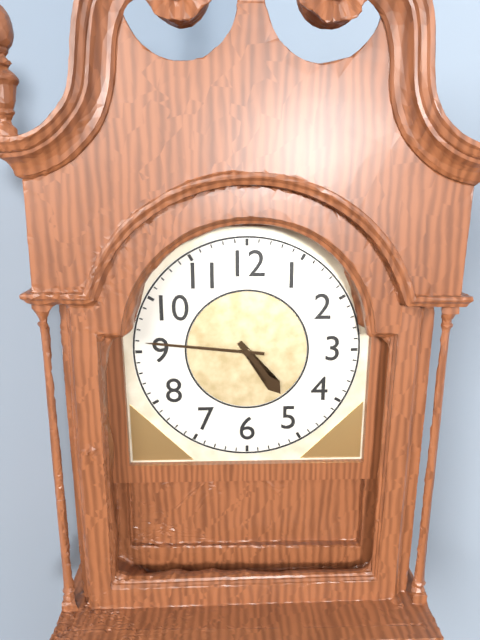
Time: h=4 m=46
